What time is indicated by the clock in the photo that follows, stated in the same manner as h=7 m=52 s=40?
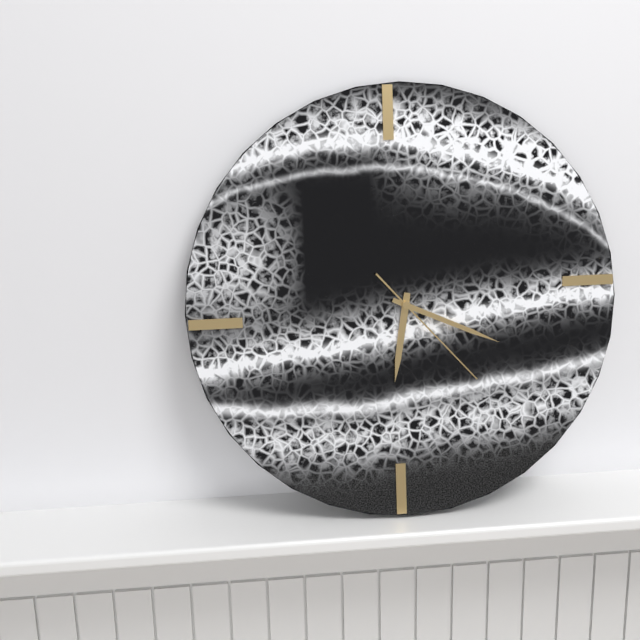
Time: h=6 m=19 s=23
